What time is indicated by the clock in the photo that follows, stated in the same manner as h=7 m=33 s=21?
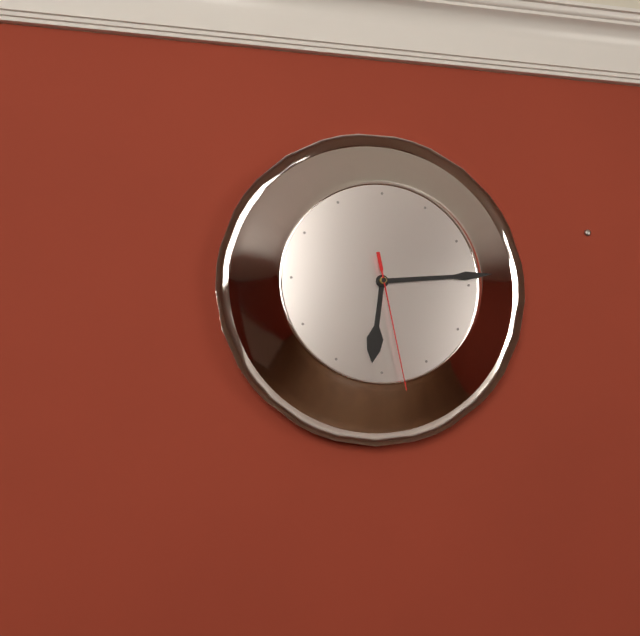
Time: h=6 m=14 s=28
